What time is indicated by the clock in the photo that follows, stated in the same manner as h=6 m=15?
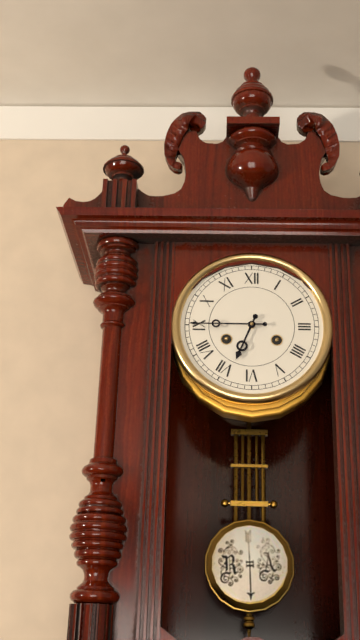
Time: h=6 m=45
